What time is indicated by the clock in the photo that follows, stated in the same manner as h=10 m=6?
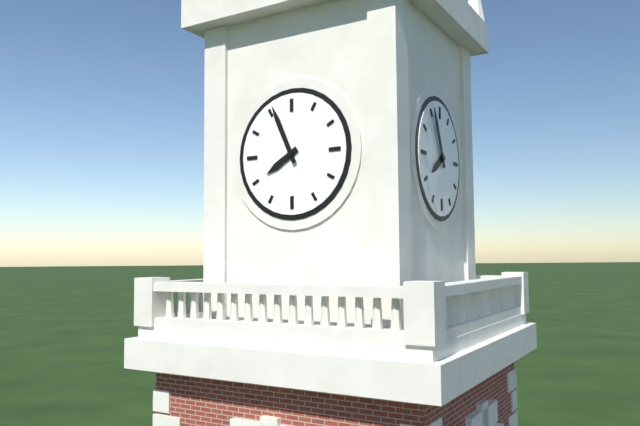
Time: h=7 m=56
